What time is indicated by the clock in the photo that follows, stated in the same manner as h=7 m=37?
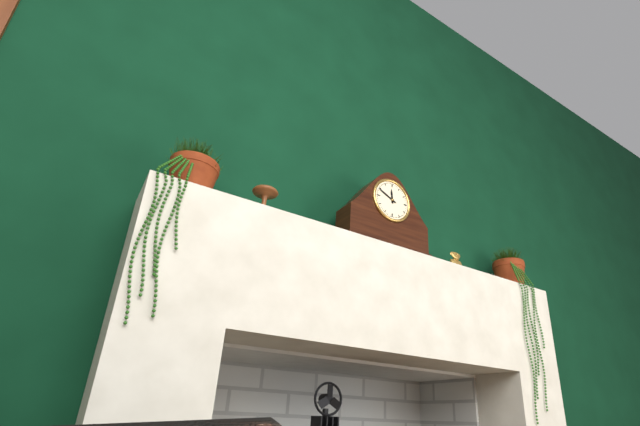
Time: h=11 m=49
